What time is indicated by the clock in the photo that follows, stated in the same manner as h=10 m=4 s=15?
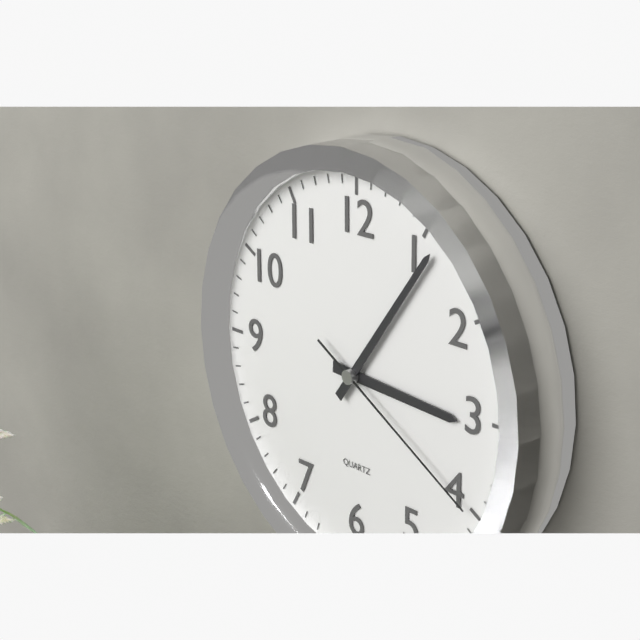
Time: h=3 m=6 s=20
